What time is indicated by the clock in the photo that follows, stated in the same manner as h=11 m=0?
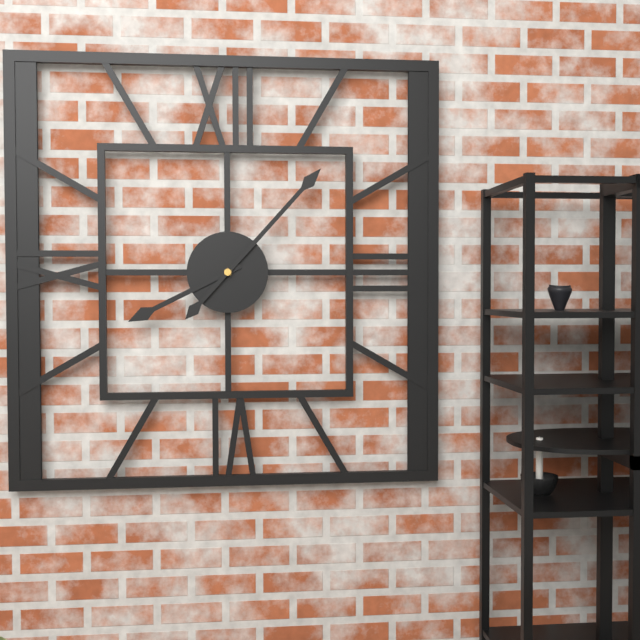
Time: h=8 m=7
